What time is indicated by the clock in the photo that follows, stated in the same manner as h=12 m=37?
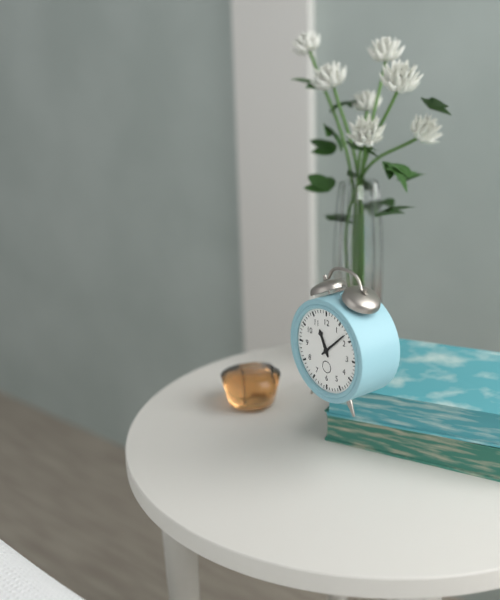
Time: h=11 m=8
